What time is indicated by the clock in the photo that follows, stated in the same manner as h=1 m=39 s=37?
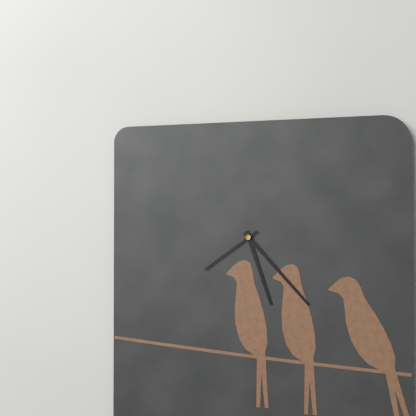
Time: h=5 m=23 s=39
